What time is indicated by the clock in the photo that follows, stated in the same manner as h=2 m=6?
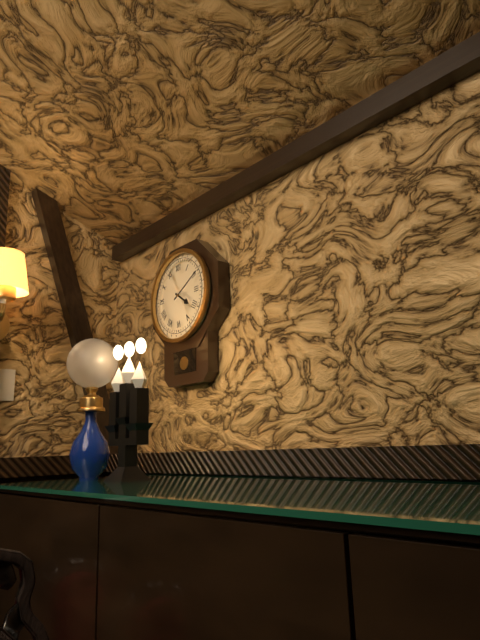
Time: h=4 m=10
